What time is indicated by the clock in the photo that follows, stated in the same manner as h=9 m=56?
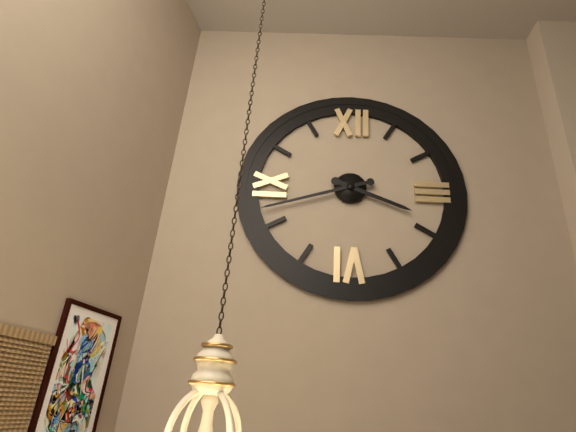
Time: h=3 m=42
